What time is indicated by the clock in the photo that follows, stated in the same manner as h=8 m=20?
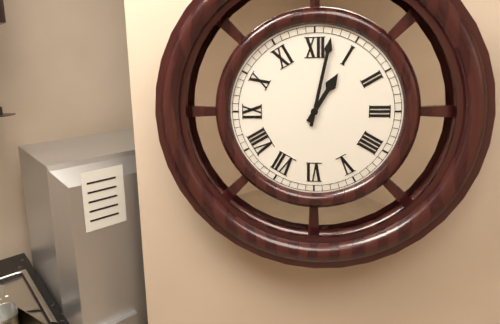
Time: h=1 m=2
